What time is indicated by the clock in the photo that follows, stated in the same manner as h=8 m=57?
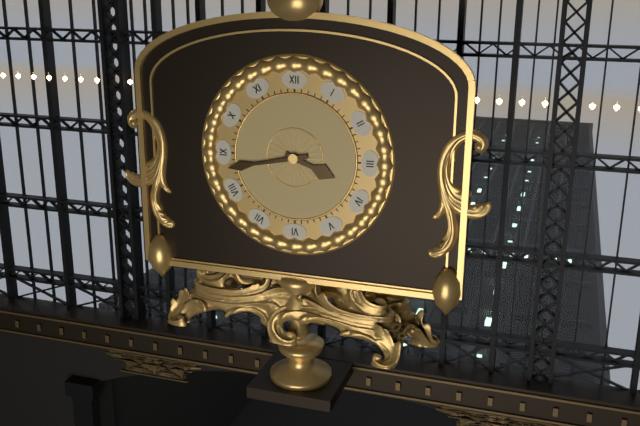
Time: h=3 m=43
